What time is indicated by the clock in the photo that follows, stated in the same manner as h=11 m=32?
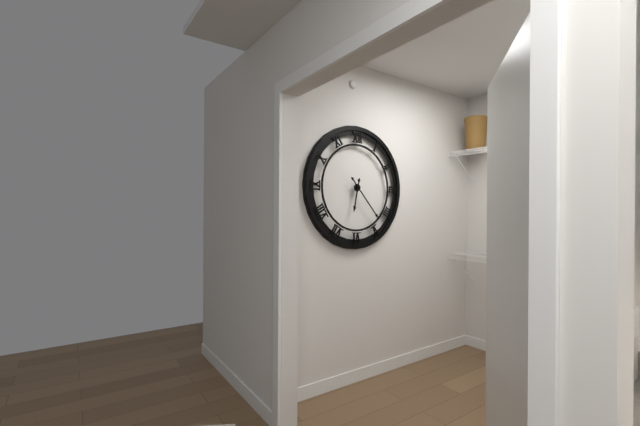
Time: h=6 m=23
